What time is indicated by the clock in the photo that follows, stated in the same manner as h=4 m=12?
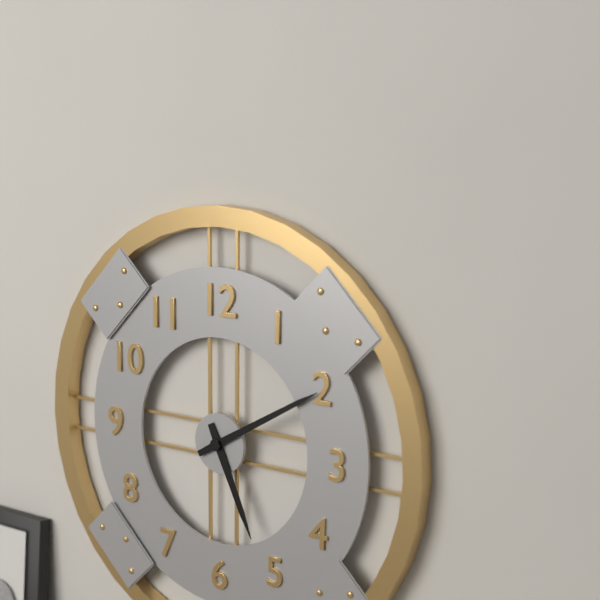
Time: h=5 m=10
